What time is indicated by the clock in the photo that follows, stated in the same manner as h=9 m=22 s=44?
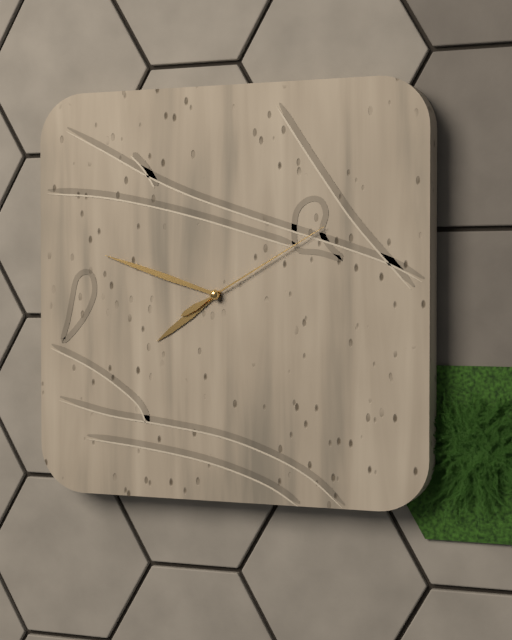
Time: h=7 m=48 s=10
